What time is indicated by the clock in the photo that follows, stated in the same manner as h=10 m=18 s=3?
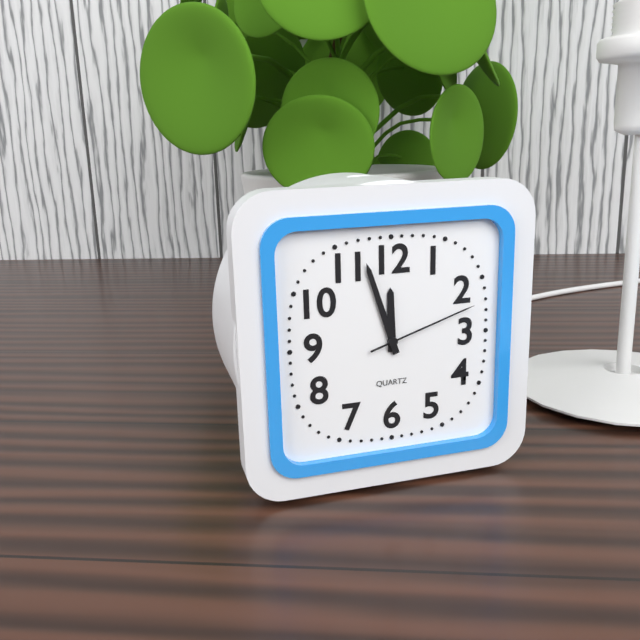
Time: h=11 m=57 s=12
